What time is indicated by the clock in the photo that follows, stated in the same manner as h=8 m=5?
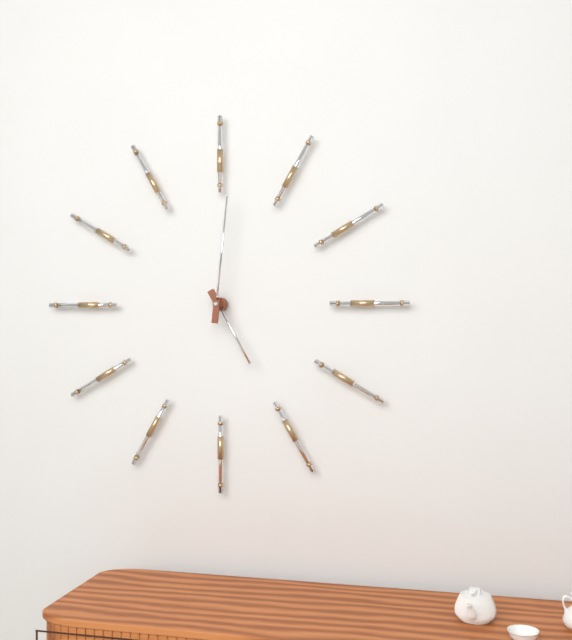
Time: h=5 m=1
